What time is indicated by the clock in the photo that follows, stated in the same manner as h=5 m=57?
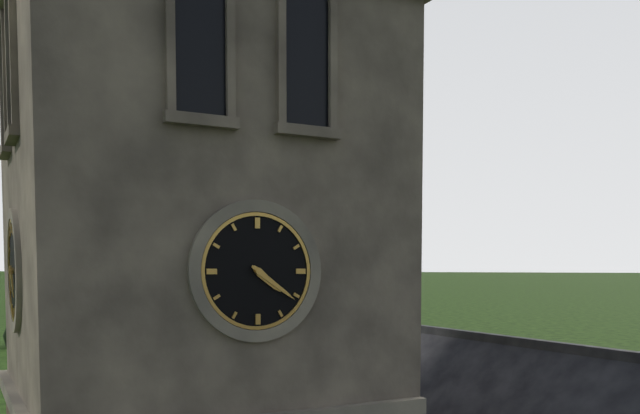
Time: h=4 m=21
